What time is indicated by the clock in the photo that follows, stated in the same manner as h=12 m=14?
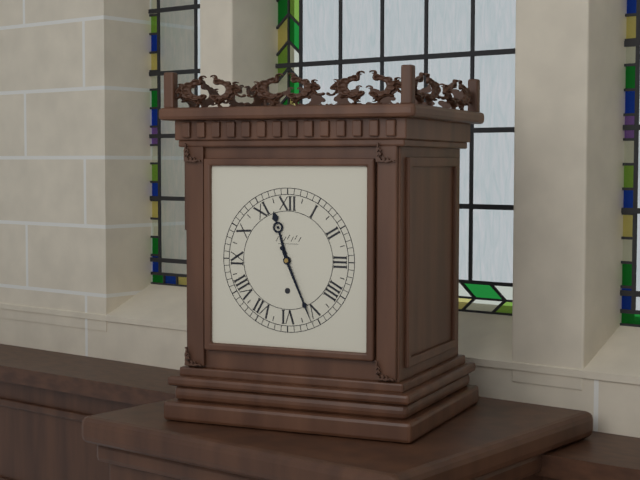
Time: h=11 m=26
